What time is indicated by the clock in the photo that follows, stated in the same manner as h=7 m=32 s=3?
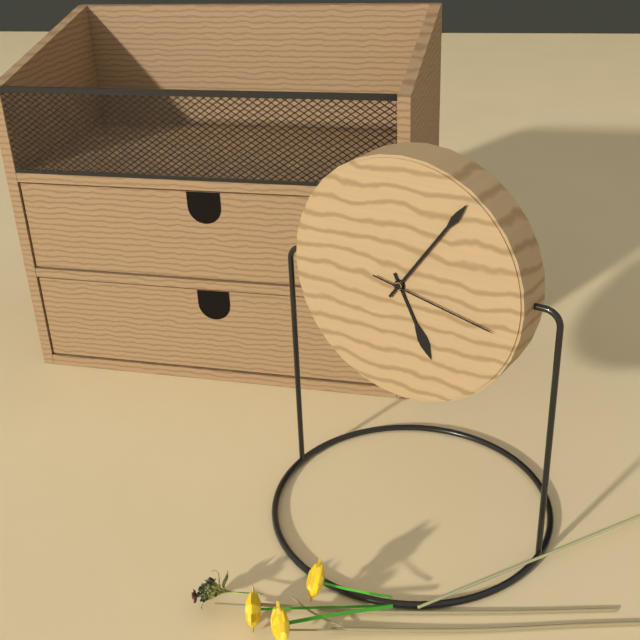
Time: h=5 m=6 s=17
